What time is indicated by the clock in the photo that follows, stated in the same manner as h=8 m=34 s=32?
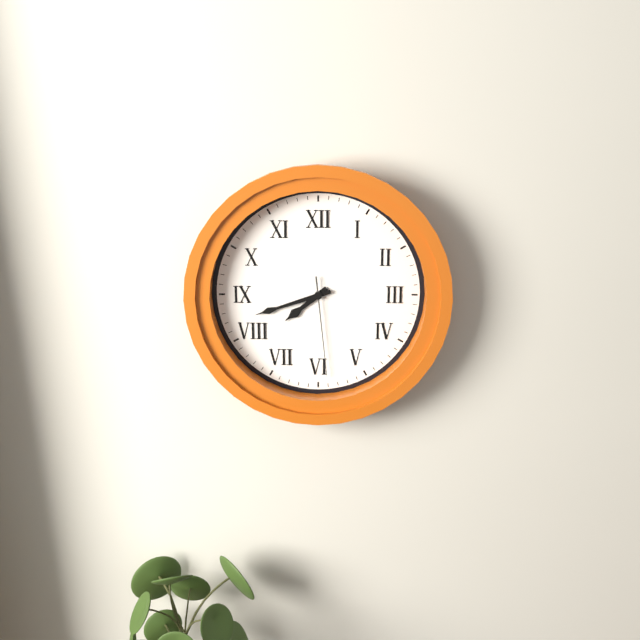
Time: h=7 m=42 s=29
